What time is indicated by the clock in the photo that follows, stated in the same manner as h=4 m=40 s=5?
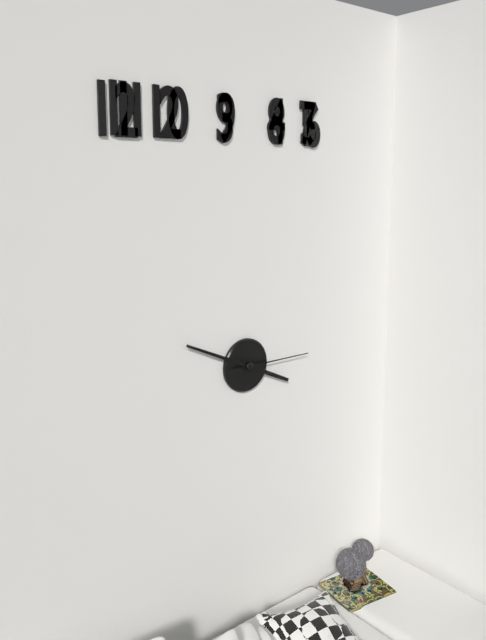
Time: h=3 m=49 s=15
